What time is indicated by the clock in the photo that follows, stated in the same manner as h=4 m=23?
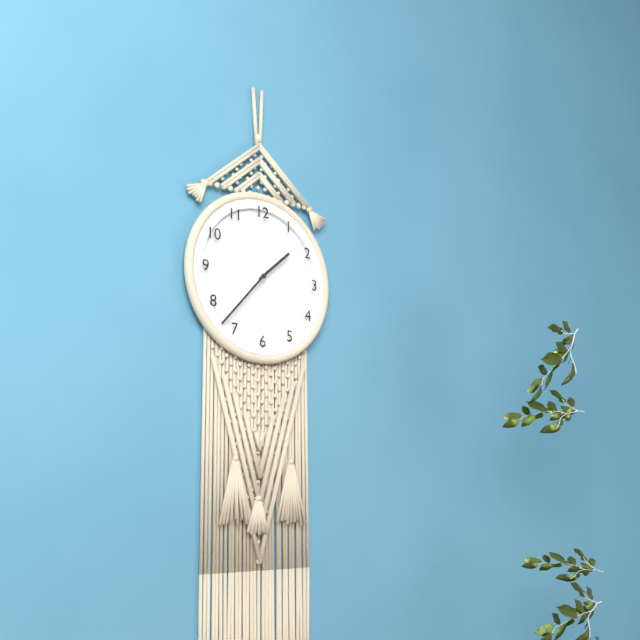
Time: h=1 m=37
